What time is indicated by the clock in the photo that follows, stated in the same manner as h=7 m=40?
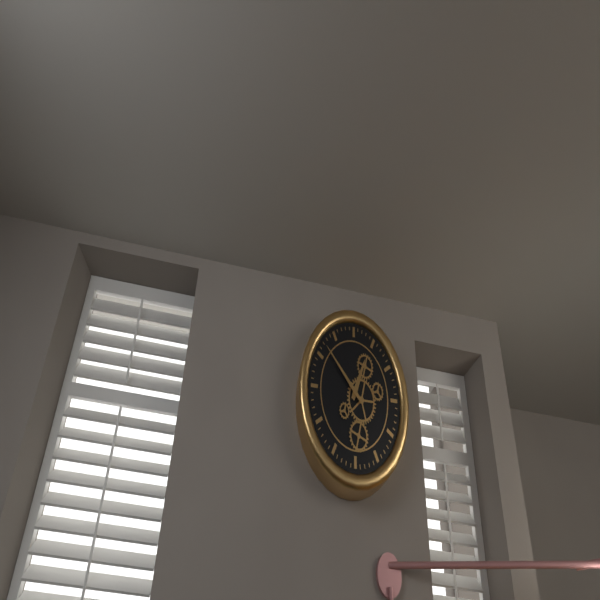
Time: h=12 m=52
